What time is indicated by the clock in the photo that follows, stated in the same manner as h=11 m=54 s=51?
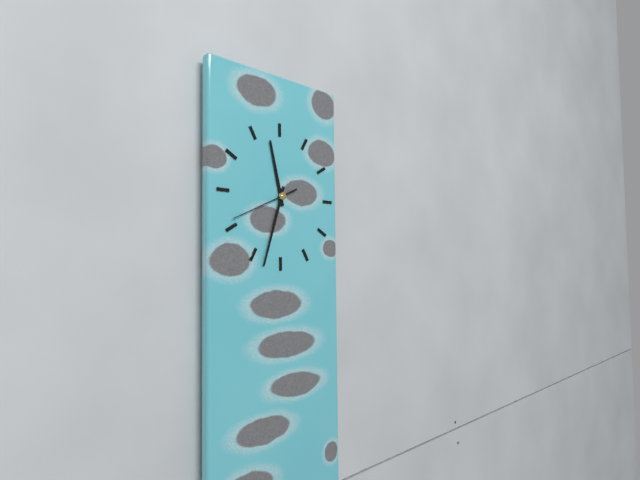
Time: h=11 m=33 s=41
